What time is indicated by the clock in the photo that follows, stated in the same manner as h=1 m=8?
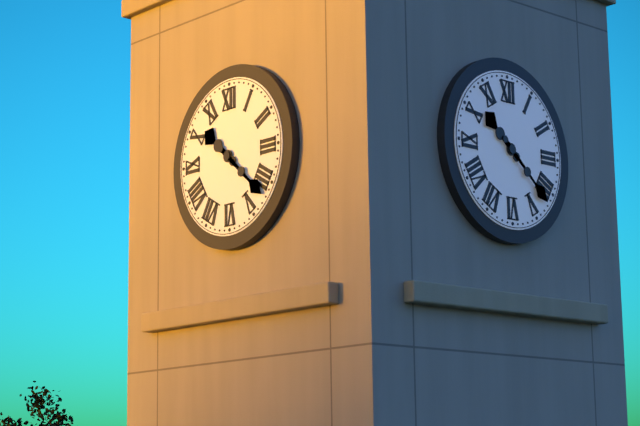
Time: h=10 m=22
